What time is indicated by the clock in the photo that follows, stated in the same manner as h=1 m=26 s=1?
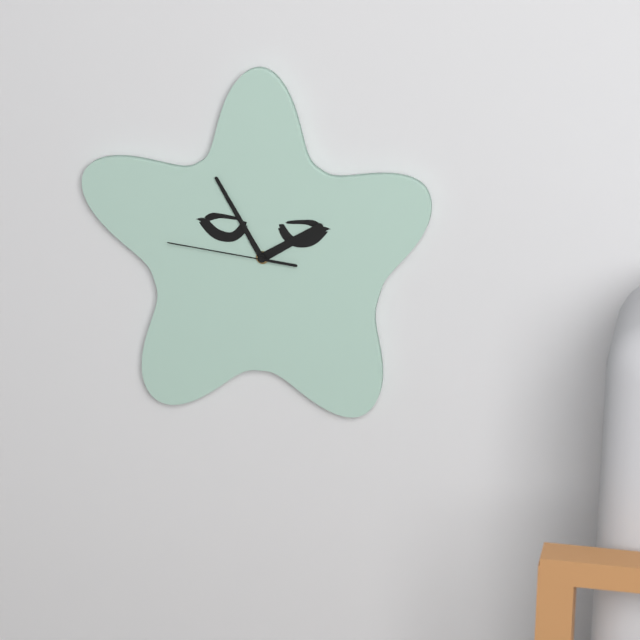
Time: h=1 m=55 s=46
